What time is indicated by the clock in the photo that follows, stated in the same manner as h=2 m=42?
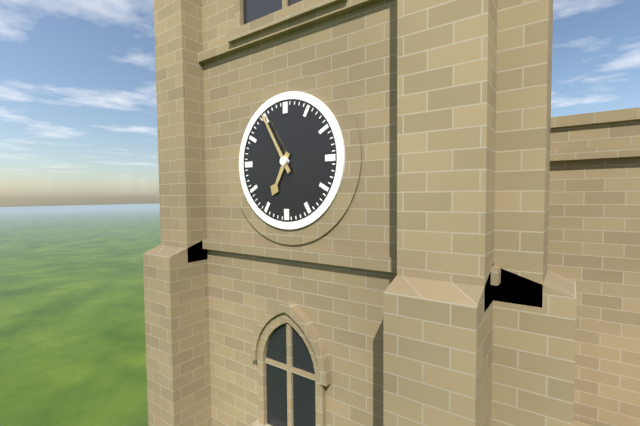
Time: h=6 m=55
